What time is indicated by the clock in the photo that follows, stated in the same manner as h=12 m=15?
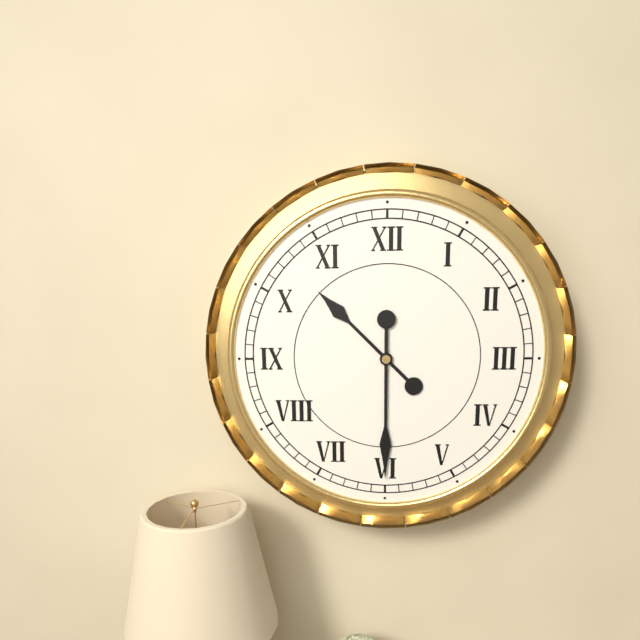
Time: h=10 m=30
